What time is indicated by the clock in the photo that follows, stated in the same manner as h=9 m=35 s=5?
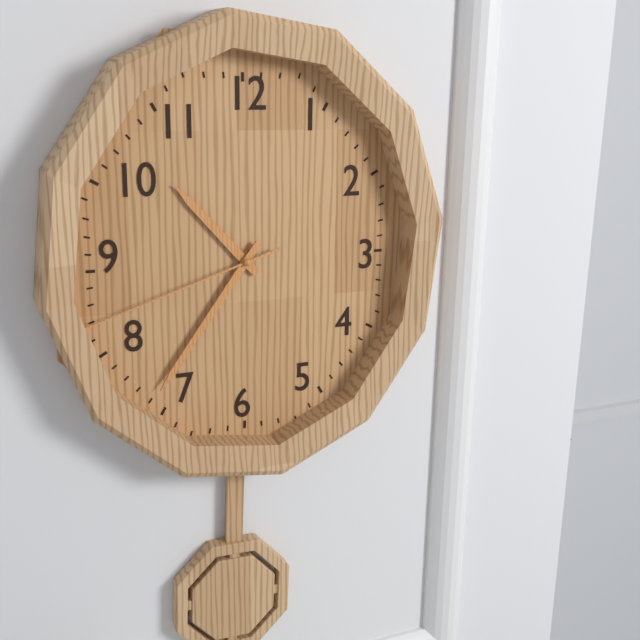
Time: h=10 m=36 s=42
